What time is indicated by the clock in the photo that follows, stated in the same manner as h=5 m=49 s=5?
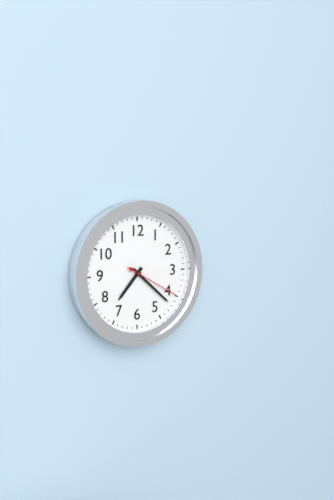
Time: h=7 m=22 s=20
